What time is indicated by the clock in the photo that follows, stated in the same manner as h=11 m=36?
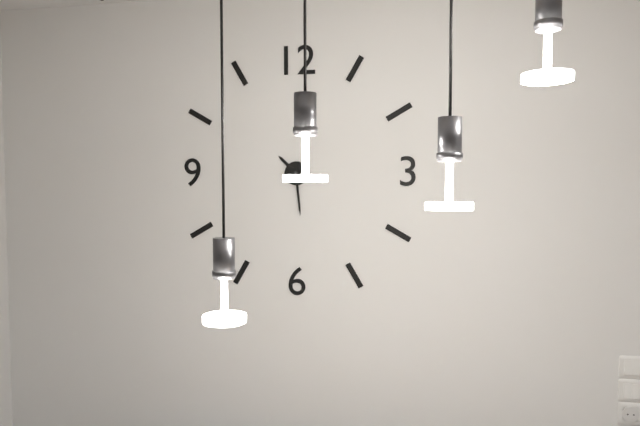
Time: h=10 m=29
